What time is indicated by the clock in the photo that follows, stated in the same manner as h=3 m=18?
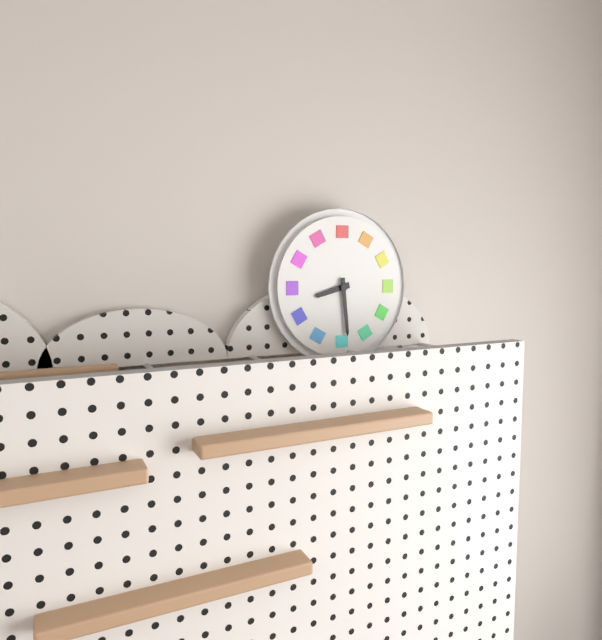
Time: h=8 m=29
